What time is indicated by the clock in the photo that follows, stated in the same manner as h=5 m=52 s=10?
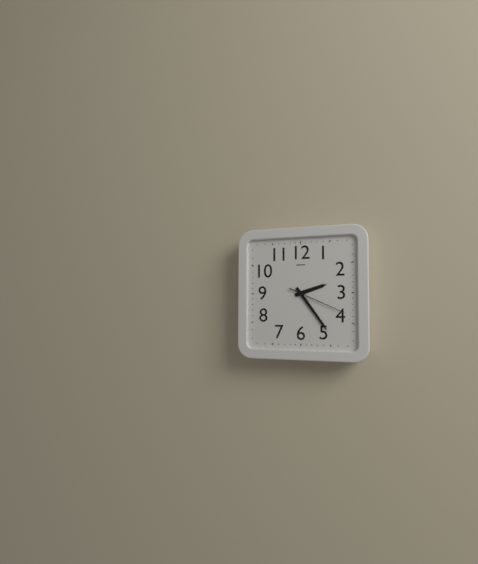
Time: h=2 m=24 s=19
